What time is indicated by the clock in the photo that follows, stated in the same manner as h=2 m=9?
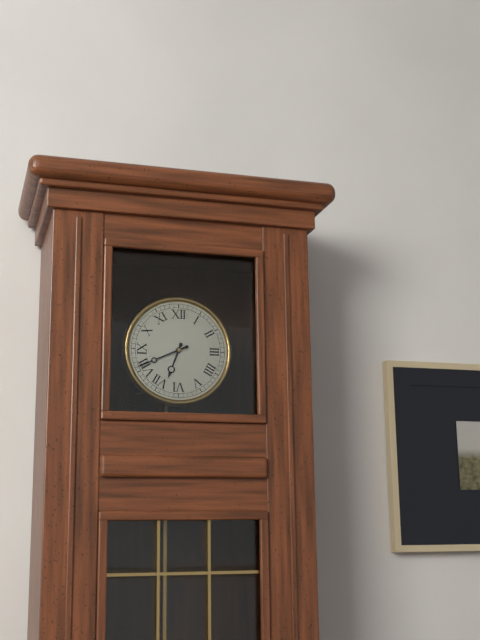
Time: h=6 m=41
